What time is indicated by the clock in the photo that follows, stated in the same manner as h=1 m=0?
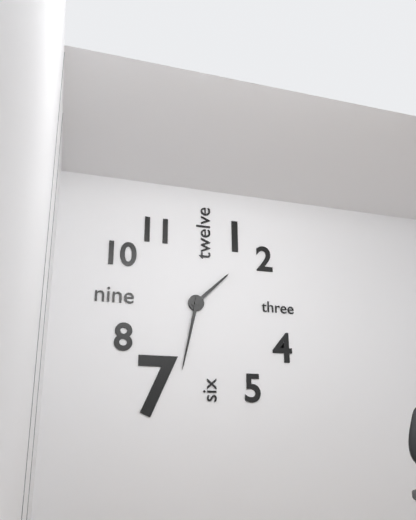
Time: h=1 m=32
